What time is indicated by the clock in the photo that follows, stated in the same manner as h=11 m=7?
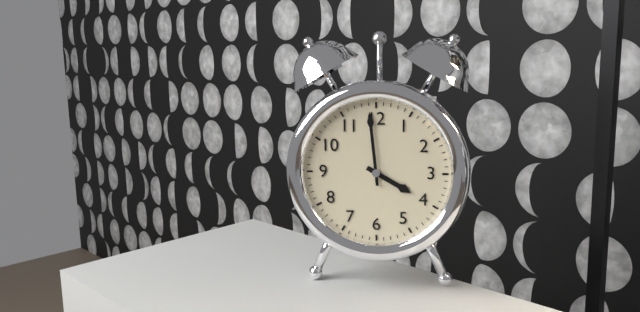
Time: h=3 m=59
